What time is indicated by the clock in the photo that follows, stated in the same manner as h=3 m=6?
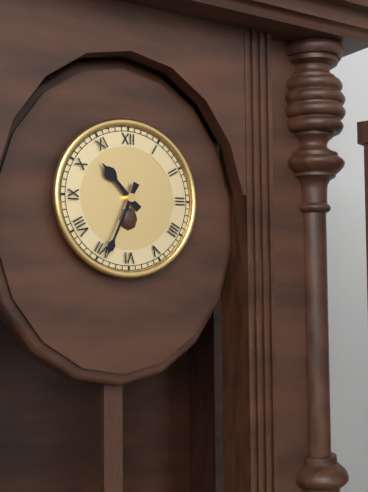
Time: h=10 m=34
